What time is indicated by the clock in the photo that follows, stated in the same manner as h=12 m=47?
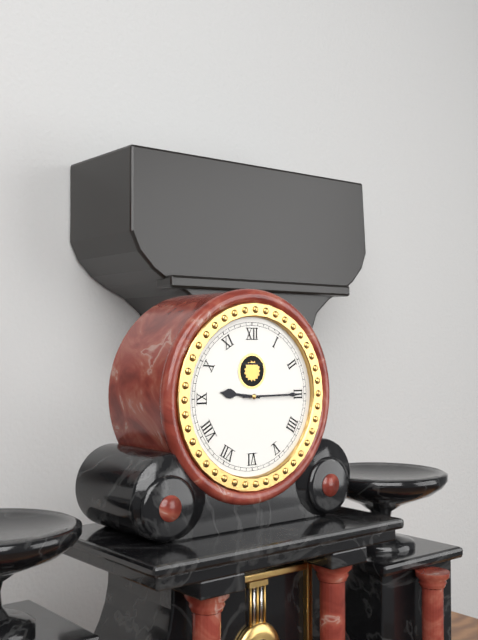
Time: h=9 m=15
